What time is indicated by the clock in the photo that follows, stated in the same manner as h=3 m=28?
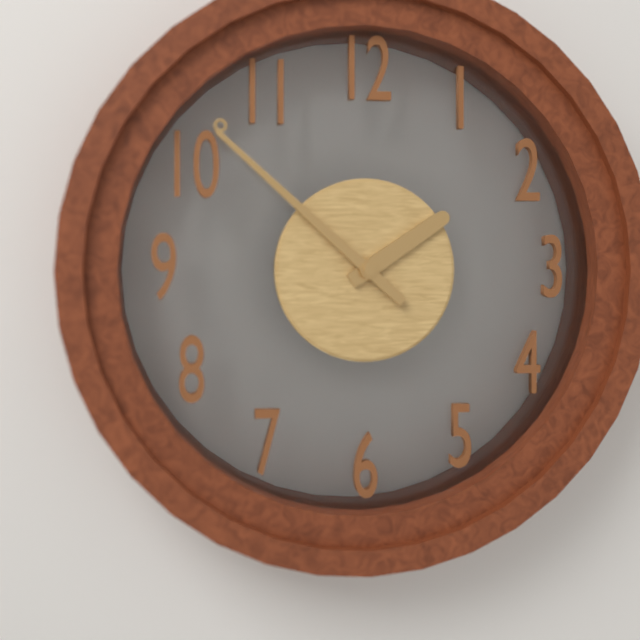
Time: h=1 m=52
